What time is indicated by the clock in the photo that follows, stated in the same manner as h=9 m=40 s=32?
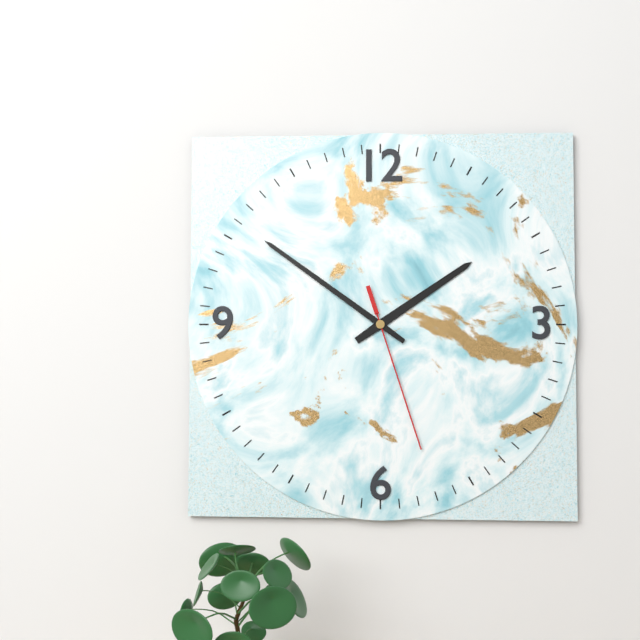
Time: h=1 m=51 s=27
